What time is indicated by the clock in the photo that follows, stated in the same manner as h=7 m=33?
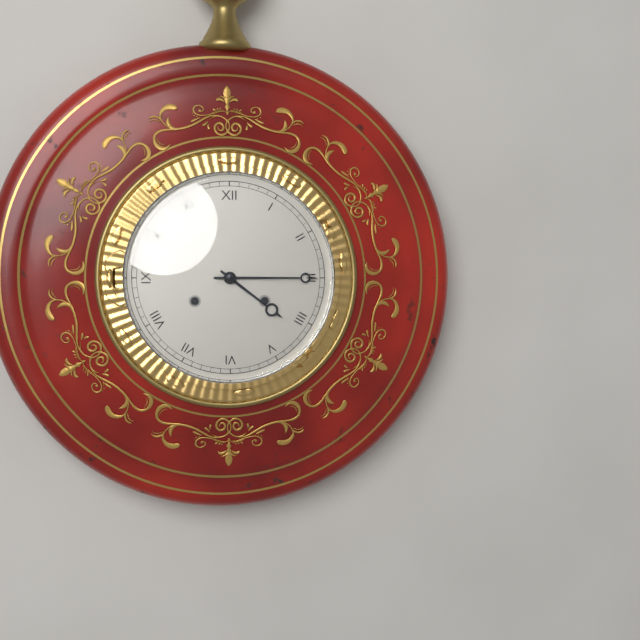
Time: h=4 m=15
